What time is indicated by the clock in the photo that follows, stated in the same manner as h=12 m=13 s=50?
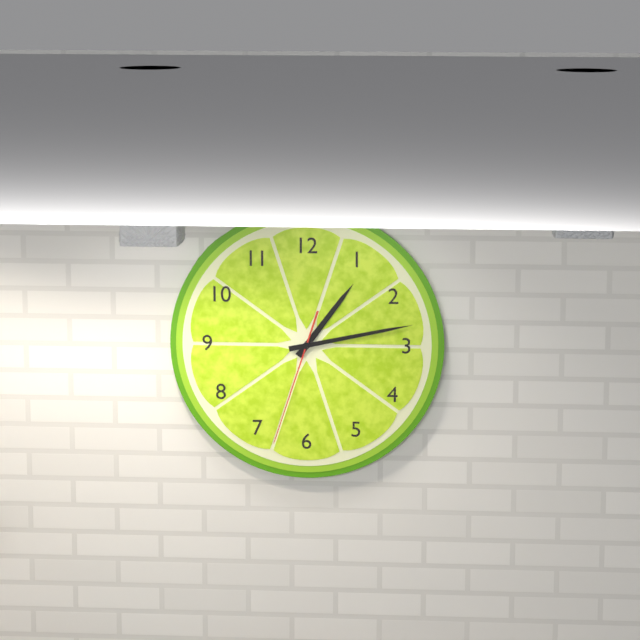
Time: h=1 m=13 s=33
